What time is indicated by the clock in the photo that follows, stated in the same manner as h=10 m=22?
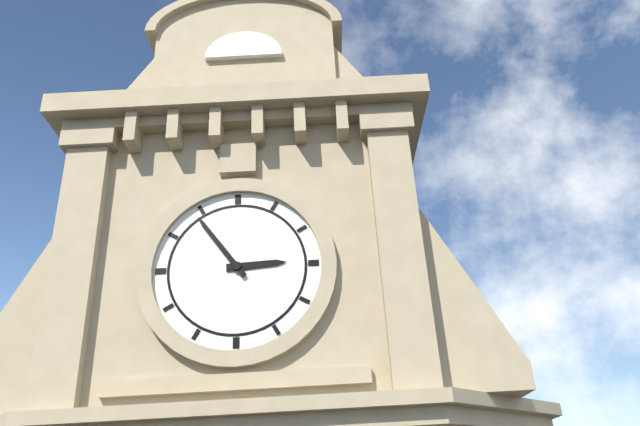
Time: h=2 m=54
